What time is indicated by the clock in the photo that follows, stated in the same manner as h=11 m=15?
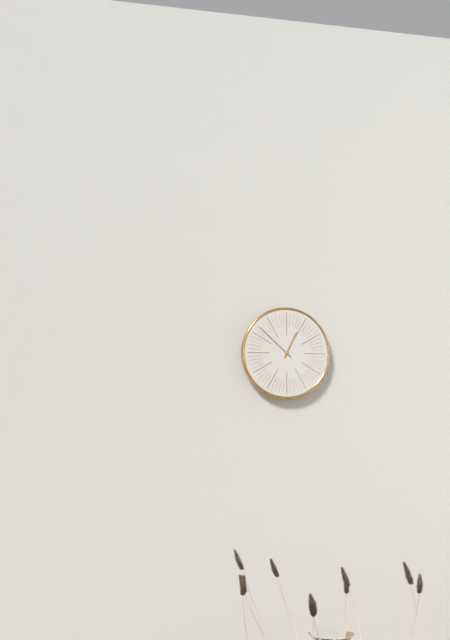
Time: h=12 m=52
